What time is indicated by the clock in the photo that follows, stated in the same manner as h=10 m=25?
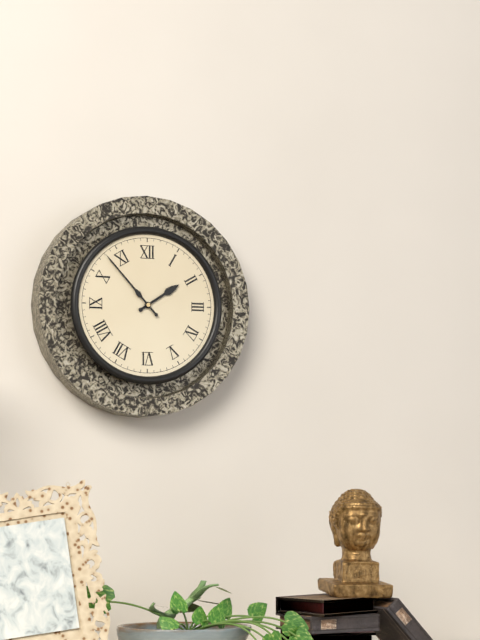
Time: h=1 m=53
